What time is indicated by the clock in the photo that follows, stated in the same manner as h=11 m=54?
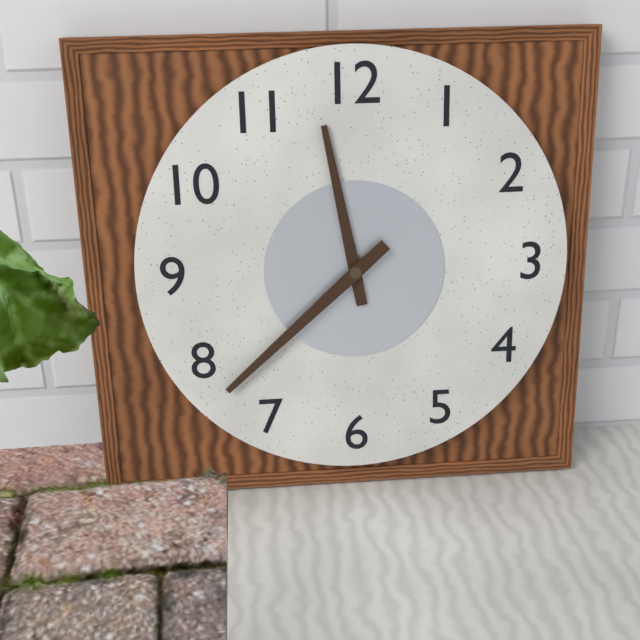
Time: h=11 m=38
